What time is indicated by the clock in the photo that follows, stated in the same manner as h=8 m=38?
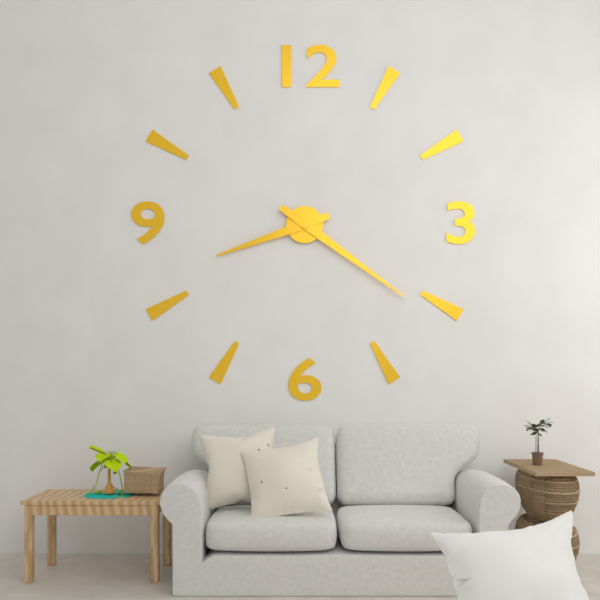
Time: h=8 m=21
